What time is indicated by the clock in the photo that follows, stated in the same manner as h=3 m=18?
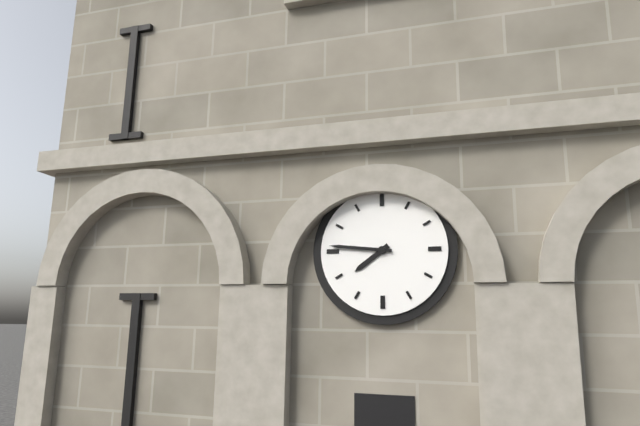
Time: h=7 m=46
